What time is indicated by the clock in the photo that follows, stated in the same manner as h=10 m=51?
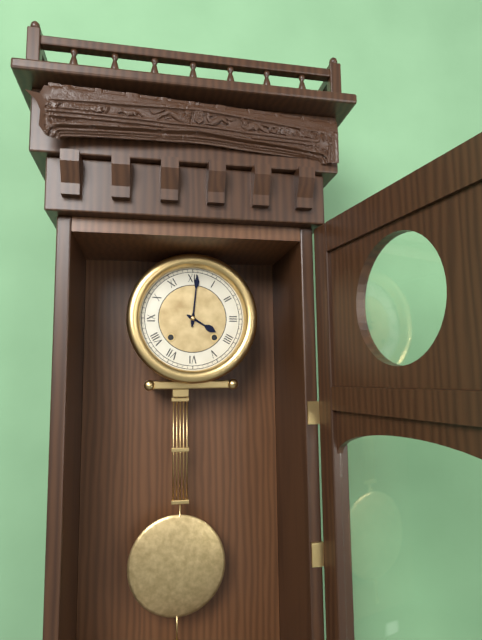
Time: h=4 m=1
